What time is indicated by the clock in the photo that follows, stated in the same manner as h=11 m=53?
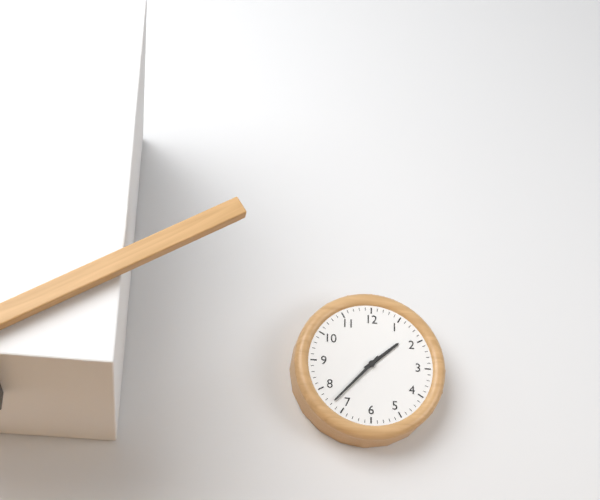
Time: h=1 m=37
